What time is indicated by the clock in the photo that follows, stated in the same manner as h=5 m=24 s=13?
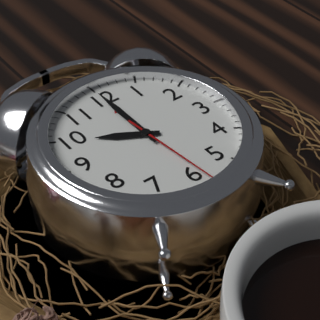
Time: h=10 m=0 s=29
